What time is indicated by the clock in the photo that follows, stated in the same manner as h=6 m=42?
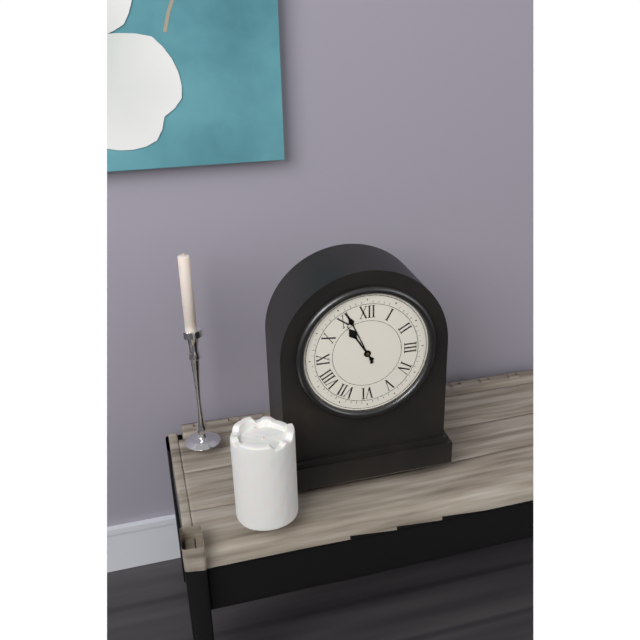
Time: h=10 m=56
